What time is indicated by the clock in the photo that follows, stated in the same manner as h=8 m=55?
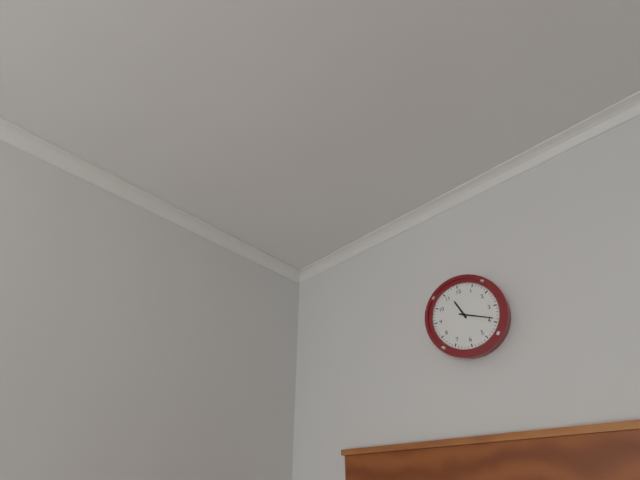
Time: h=11 m=19
